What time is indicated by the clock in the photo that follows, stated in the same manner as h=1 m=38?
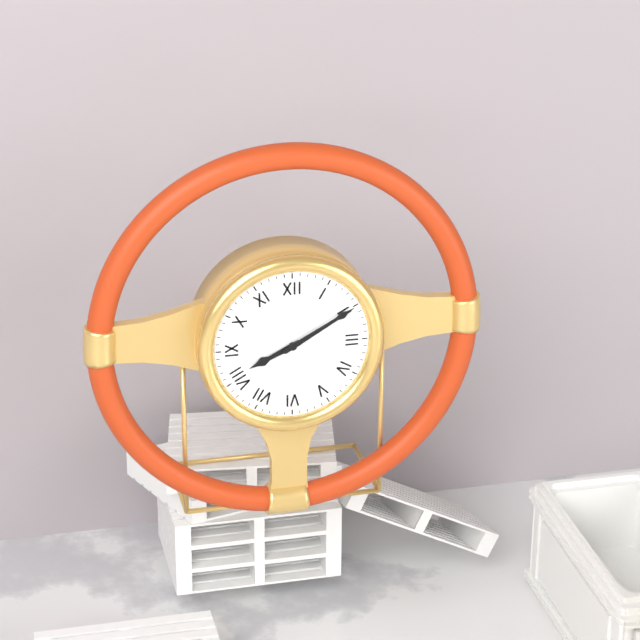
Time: h=8 m=10
